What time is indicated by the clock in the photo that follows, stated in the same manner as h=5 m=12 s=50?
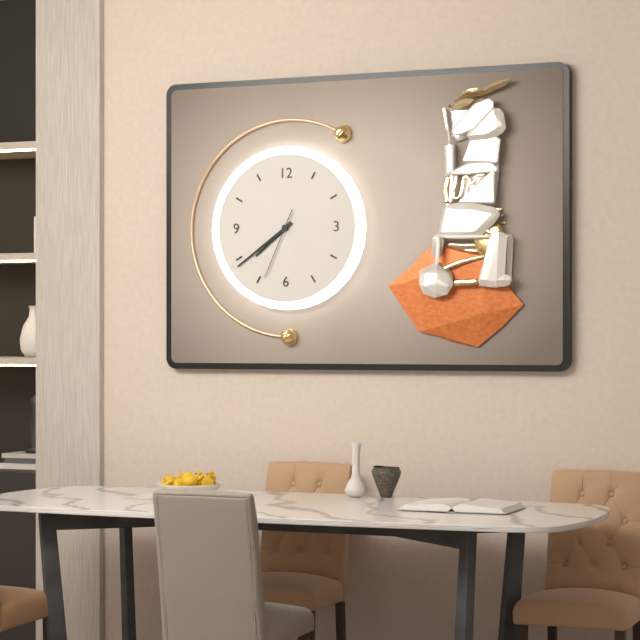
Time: h=7 m=39 s=34
